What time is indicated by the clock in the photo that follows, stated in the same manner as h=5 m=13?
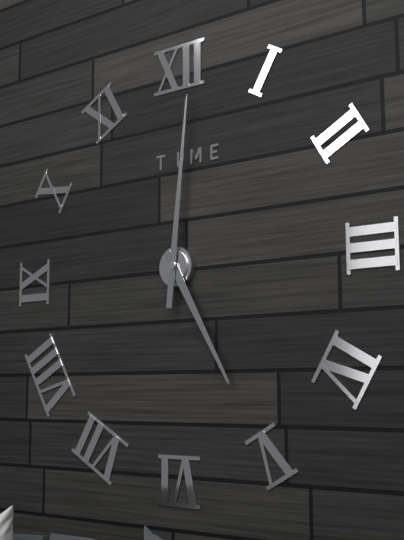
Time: h=5 m=1
